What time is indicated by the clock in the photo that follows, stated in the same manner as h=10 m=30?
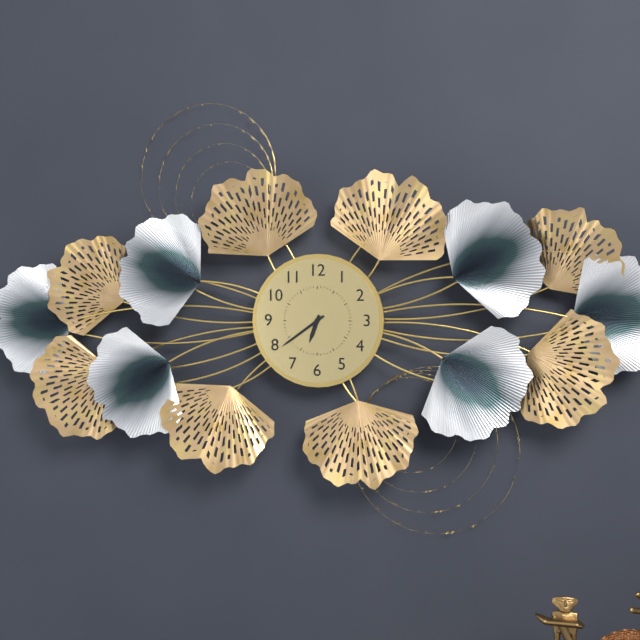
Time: h=6 m=39
